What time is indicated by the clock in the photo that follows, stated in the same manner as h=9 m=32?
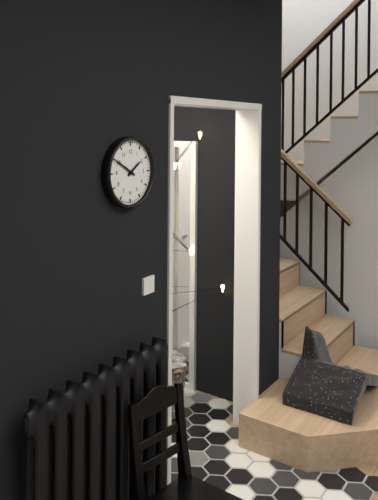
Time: h=1 m=50
